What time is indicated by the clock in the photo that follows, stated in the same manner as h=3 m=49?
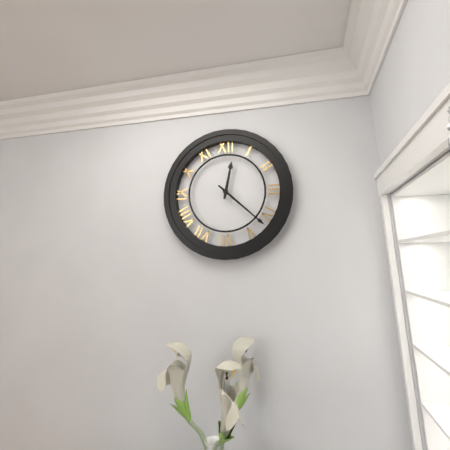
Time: h=12 m=22
